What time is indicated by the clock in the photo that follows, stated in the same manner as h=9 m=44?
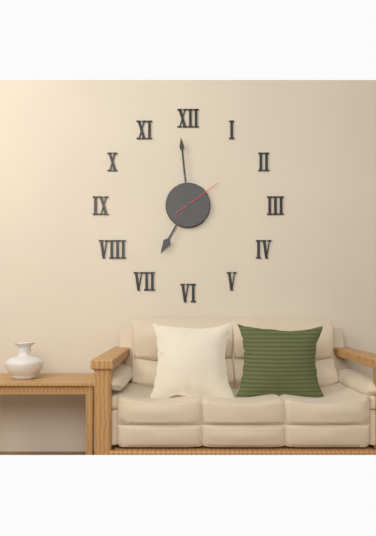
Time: h=6 m=59
